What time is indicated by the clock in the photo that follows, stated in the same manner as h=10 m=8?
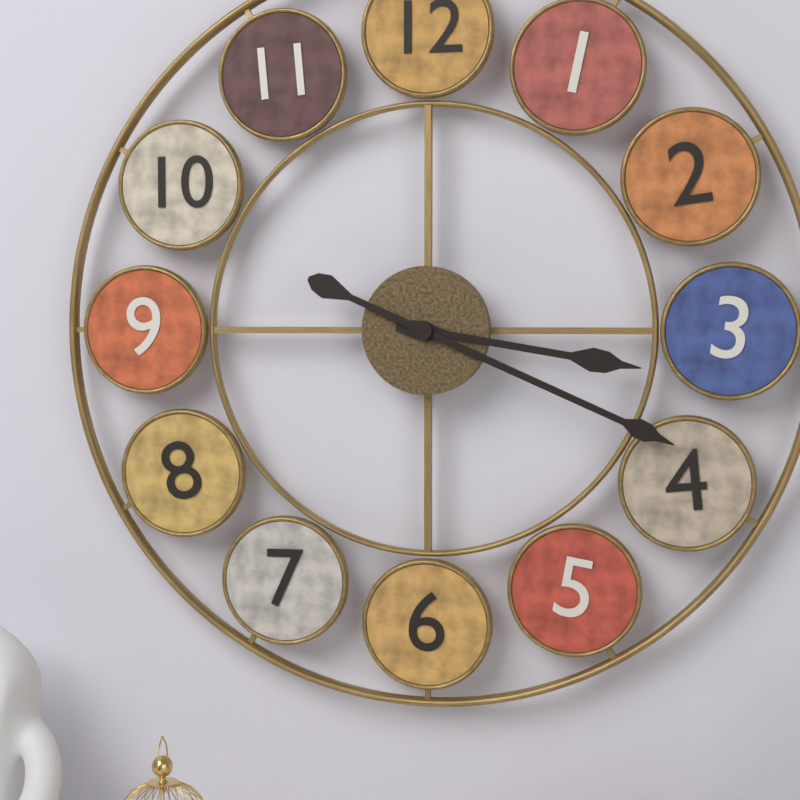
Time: h=3 m=19
